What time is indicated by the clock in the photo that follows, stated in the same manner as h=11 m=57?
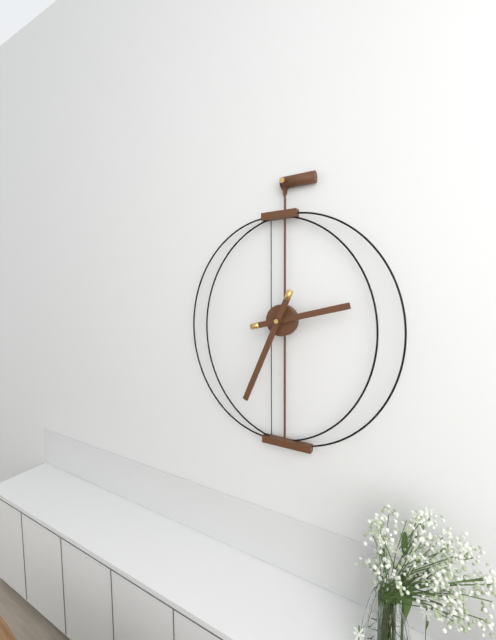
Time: h=2 m=34
